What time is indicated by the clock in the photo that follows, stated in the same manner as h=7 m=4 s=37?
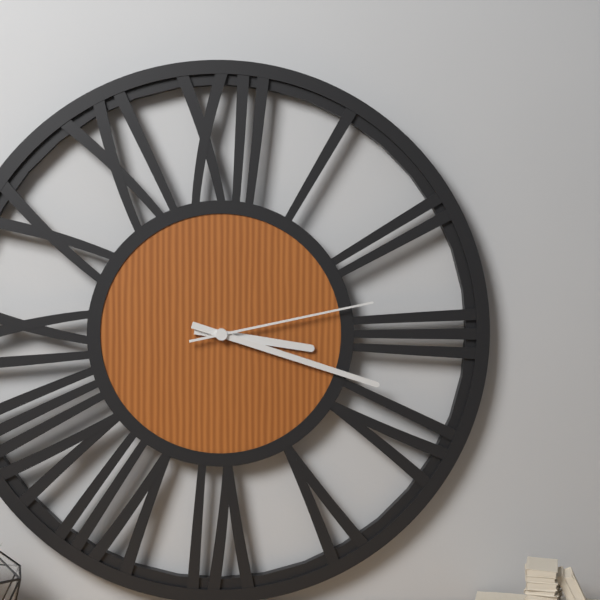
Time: h=3 m=18 s=13
